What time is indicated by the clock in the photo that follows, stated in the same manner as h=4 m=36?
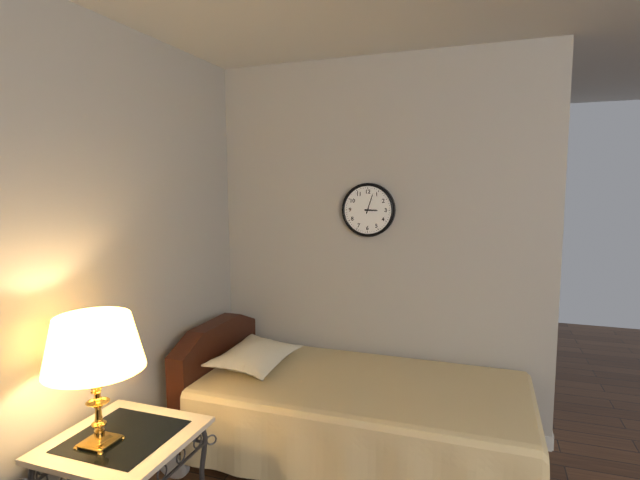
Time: h=3 m=3
